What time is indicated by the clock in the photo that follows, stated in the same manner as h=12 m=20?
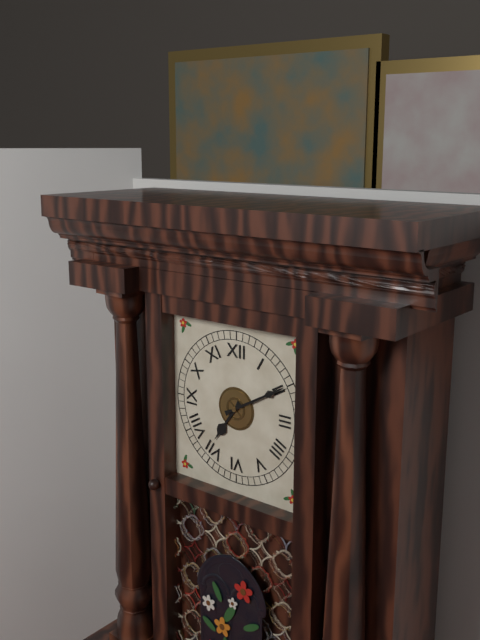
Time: h=7 m=10
